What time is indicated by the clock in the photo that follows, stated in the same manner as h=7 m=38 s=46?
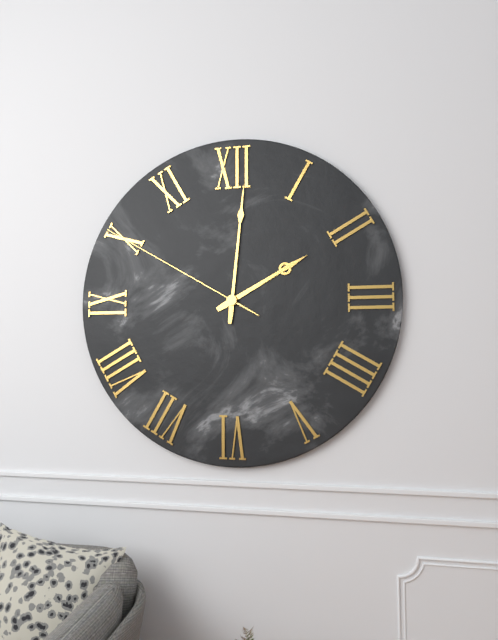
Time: h=2 m=1 s=50
